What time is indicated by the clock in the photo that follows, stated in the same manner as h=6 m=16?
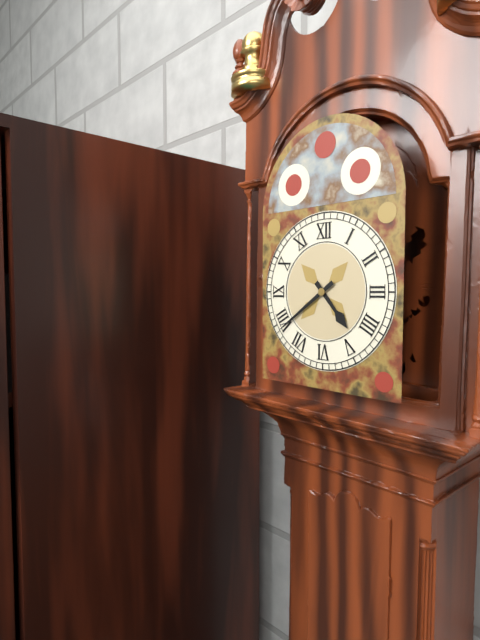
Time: h=4 m=39
